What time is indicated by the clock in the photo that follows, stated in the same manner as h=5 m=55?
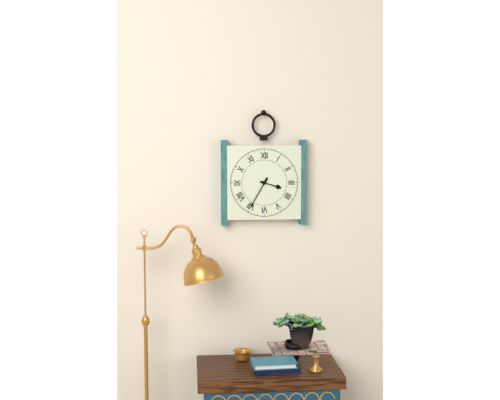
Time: h=3 m=35
